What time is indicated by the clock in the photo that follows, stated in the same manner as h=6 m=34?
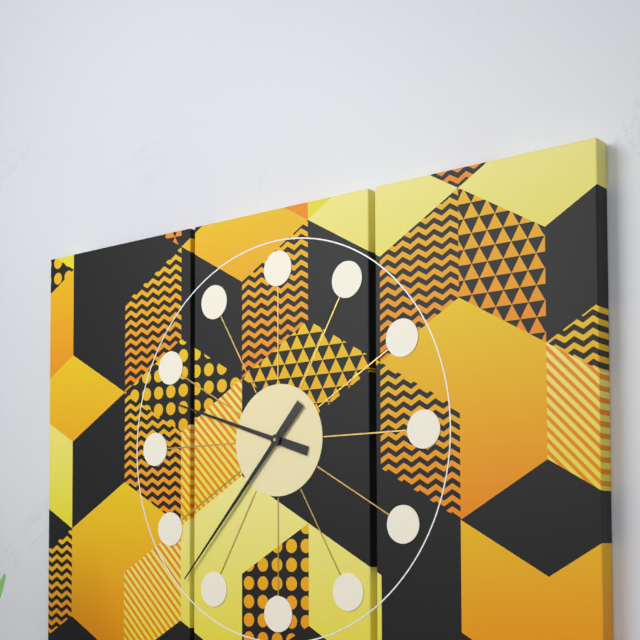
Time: h=9 m=37
